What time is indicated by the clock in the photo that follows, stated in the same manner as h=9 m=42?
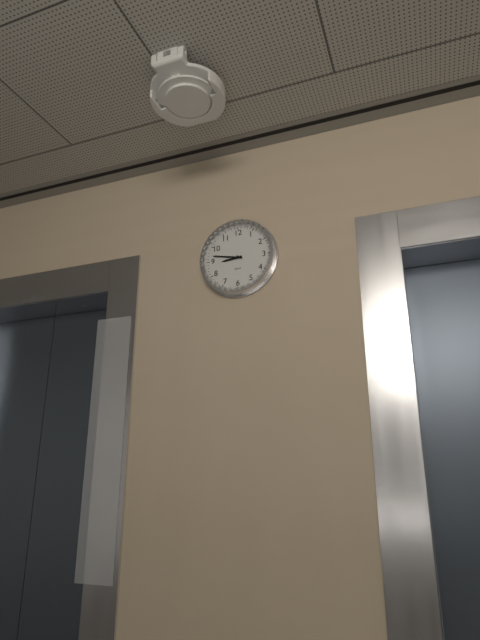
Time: h=8 m=47
